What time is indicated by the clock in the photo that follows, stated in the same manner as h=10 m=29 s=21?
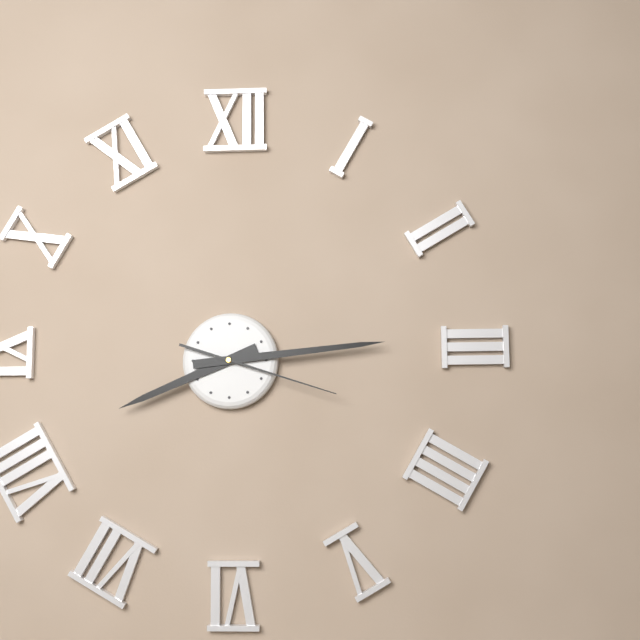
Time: h=8 m=14 s=18
